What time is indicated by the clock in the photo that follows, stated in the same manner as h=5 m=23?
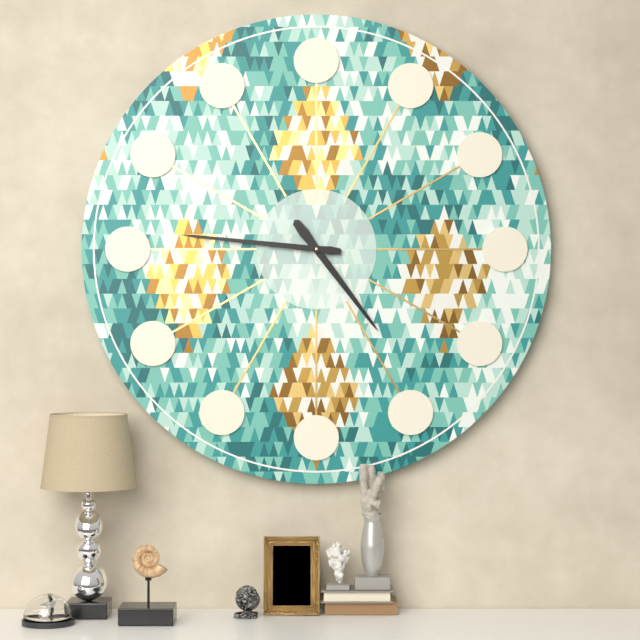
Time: h=4 m=46
